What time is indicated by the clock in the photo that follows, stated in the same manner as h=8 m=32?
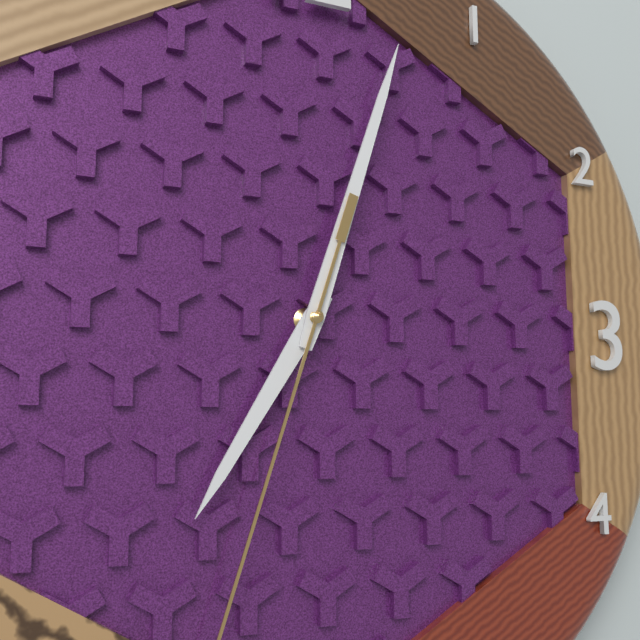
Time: h=7 m=3
